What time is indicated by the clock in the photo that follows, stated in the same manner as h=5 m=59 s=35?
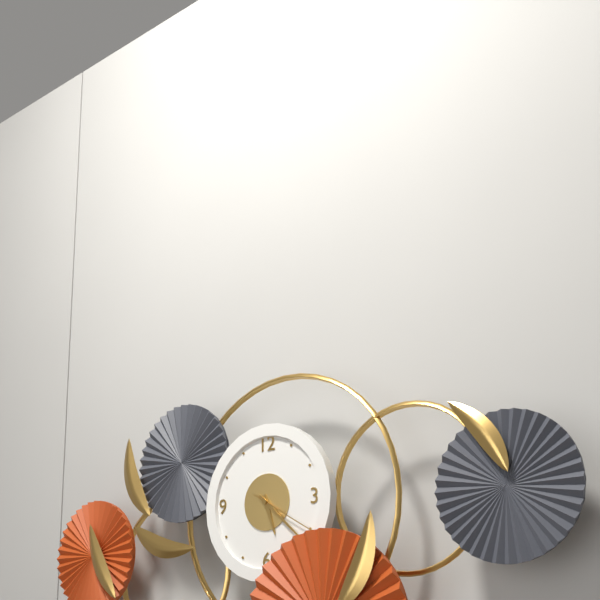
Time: h=5 m=22 s=20
